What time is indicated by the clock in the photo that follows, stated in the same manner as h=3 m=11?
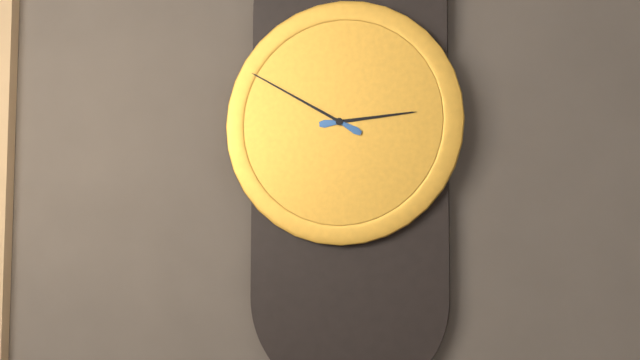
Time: h=2 m=50
